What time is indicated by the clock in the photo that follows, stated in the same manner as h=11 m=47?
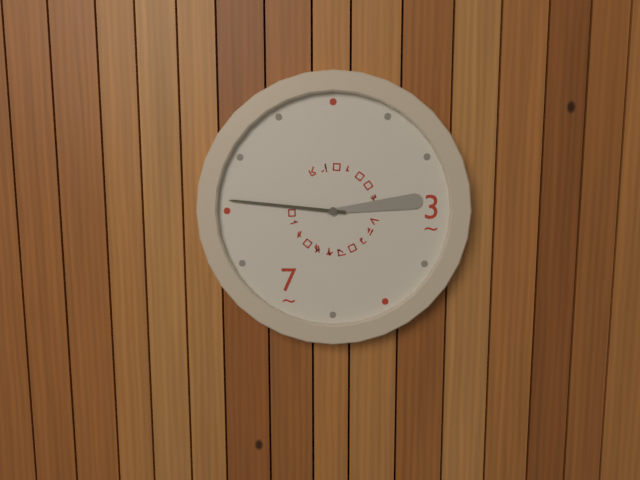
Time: h=2 m=46
